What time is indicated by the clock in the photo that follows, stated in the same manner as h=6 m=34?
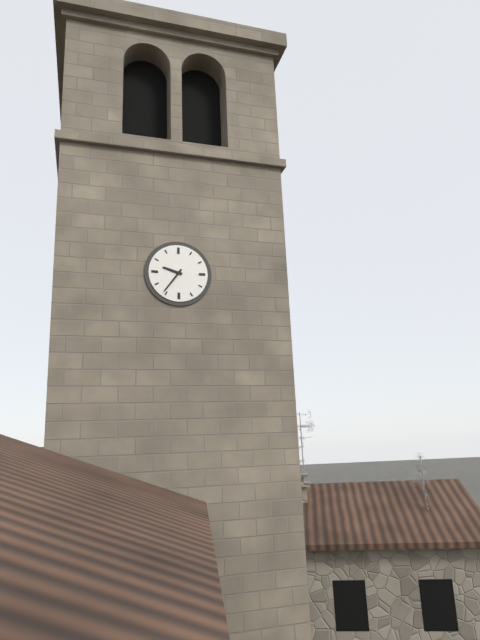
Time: h=9 m=36
